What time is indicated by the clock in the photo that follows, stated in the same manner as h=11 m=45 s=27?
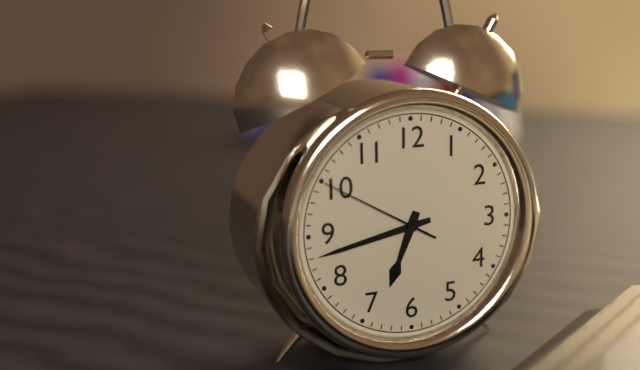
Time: h=6 m=43 s=50
